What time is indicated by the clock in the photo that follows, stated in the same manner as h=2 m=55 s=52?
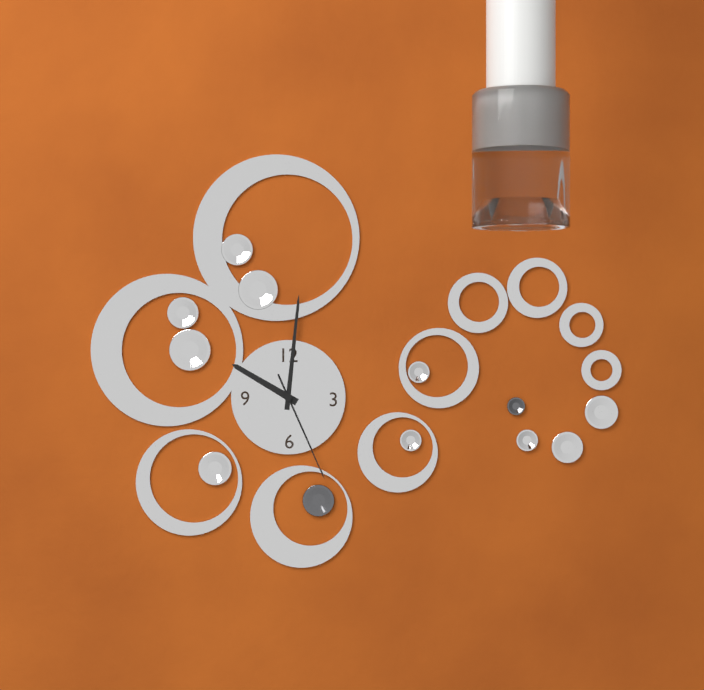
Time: h=10 m=1 s=26
